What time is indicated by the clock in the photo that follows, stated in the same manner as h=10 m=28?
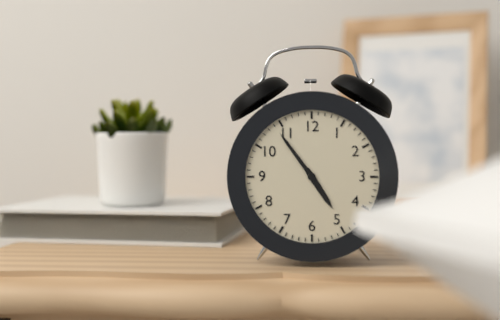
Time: h=4 m=54
